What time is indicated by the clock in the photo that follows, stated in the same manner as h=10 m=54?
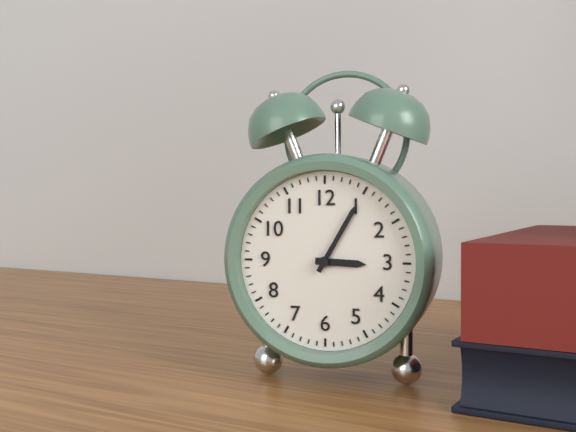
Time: h=3 m=5
